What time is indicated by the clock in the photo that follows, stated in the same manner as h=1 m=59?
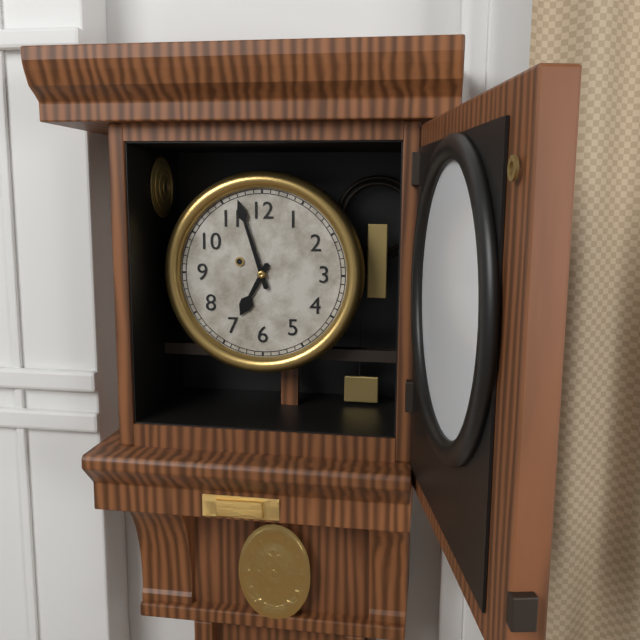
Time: h=6 m=57
